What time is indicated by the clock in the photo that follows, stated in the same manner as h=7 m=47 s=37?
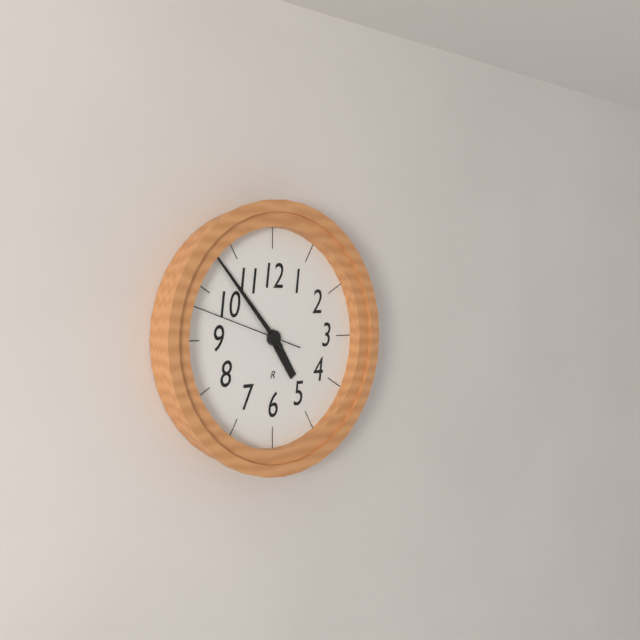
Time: h=4 m=53 s=48
